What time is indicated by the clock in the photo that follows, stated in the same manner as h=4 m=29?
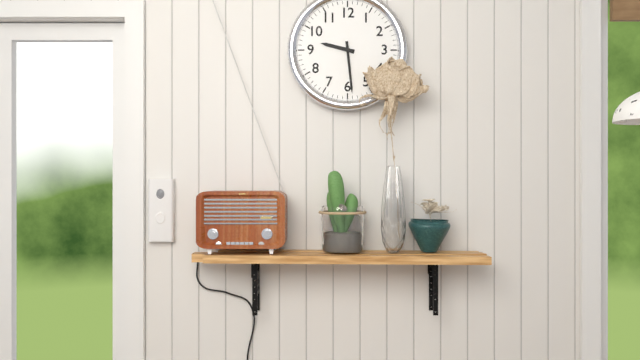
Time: h=9 m=29
